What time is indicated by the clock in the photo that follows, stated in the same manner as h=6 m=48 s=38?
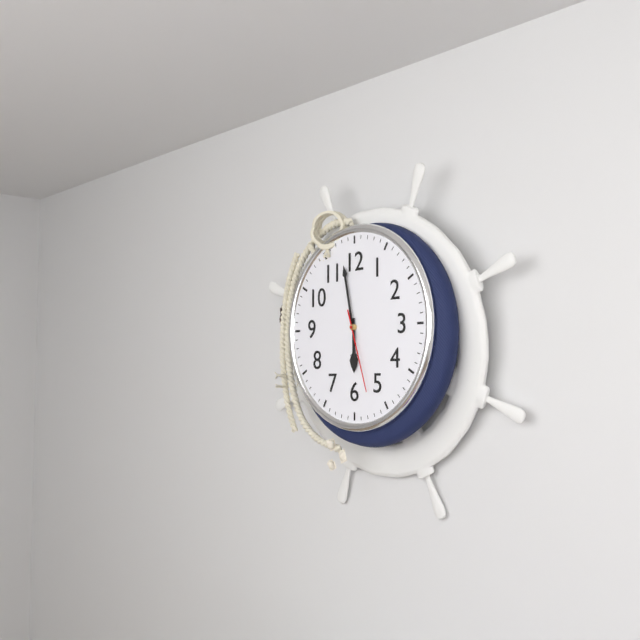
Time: h=5 m=58 s=27
